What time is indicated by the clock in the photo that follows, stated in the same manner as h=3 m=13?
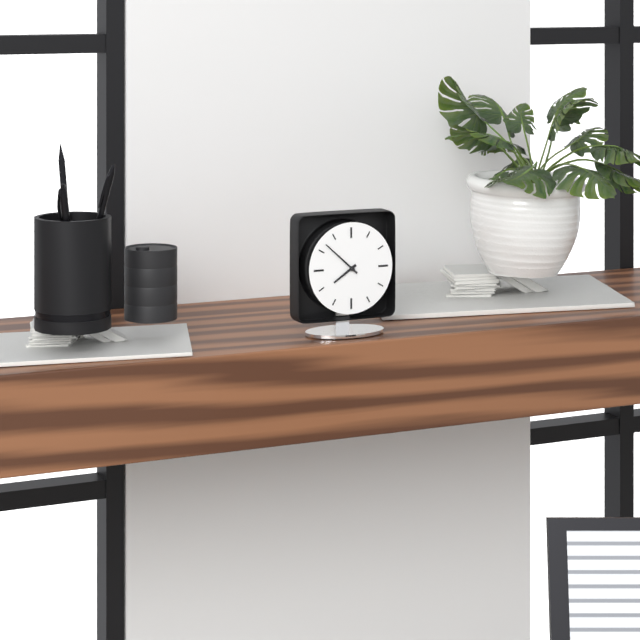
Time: h=7 m=52
